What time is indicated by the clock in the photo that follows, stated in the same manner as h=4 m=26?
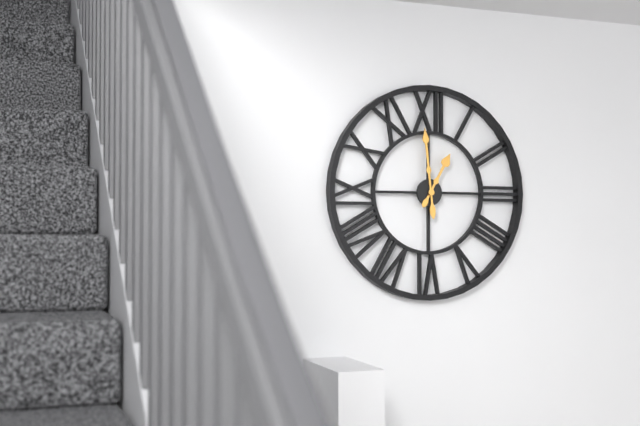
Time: h=12 m=59
